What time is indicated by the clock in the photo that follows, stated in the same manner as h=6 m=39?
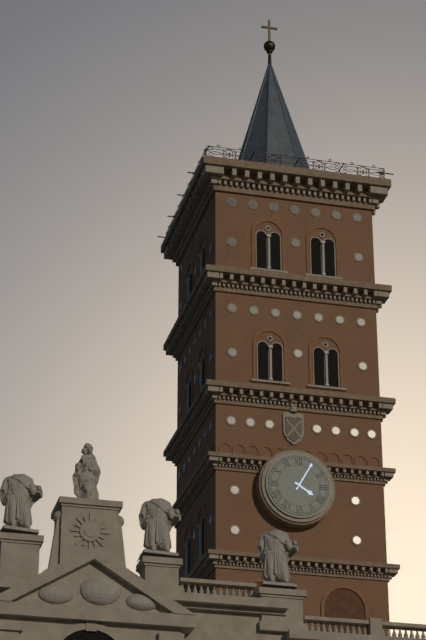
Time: h=4 m=5
